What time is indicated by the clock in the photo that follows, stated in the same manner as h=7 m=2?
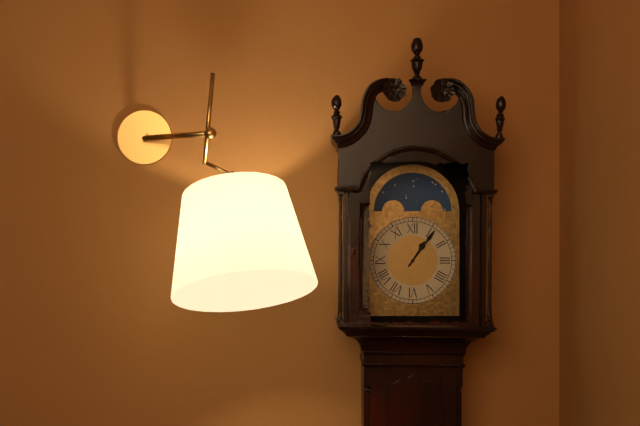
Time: h=1 m=6
